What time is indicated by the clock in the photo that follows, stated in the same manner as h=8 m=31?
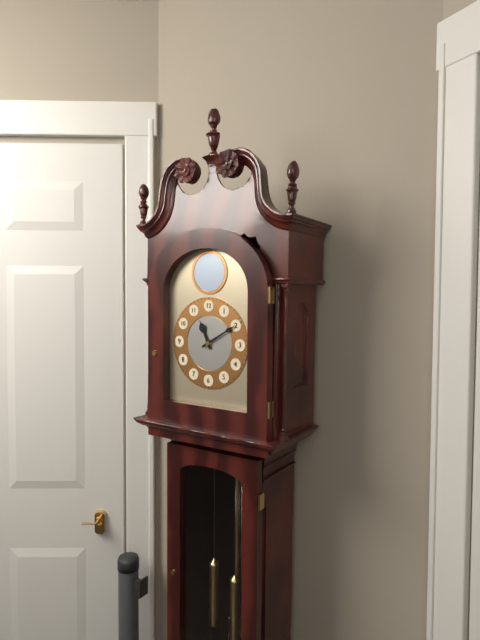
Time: h=11 m=10
